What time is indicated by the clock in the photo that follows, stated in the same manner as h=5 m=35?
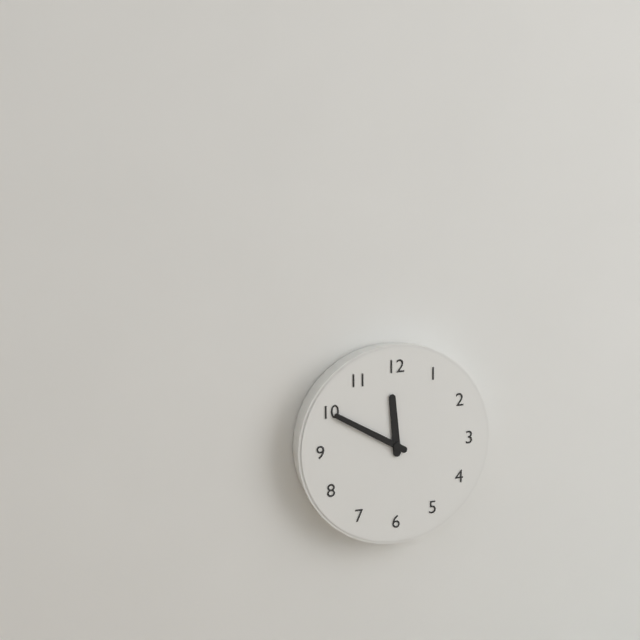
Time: h=11 m=50
